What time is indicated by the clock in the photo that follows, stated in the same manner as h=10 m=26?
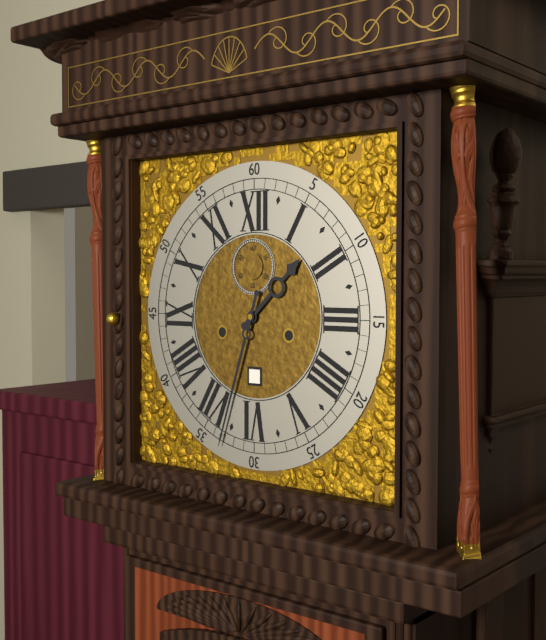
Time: h=1 m=33
